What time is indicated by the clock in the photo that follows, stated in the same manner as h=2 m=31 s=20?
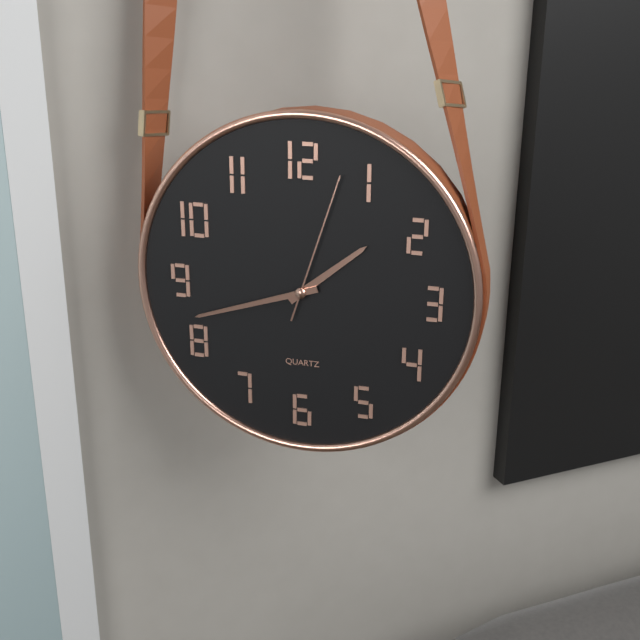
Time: h=1 m=42 s=3
